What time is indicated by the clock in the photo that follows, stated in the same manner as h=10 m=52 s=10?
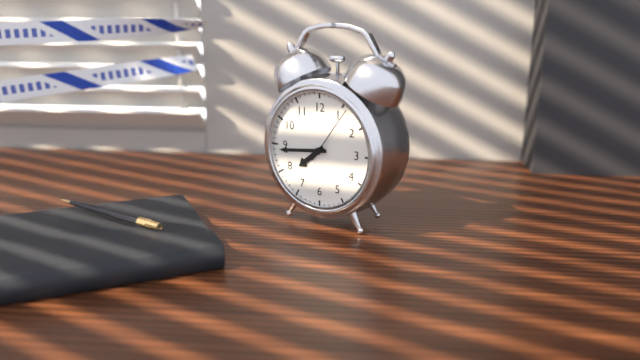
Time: h=7 m=44 s=6
